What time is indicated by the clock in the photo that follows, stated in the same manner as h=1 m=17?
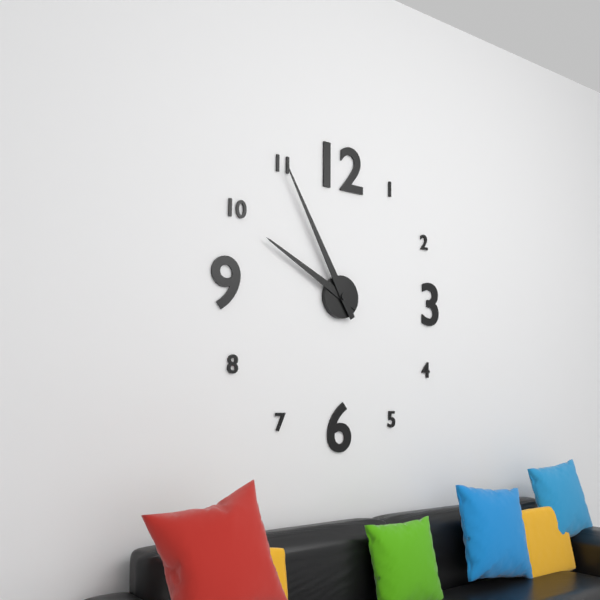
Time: h=9 m=55
